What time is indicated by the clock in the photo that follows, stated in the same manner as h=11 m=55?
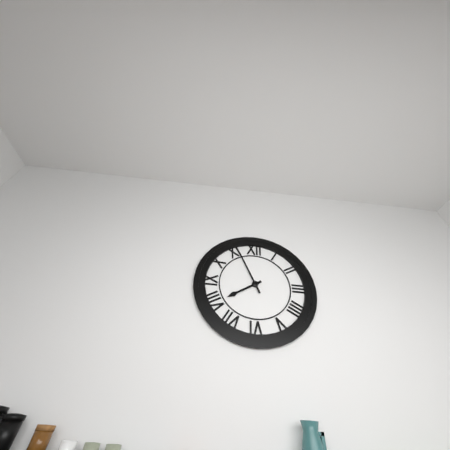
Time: h=7 m=56
